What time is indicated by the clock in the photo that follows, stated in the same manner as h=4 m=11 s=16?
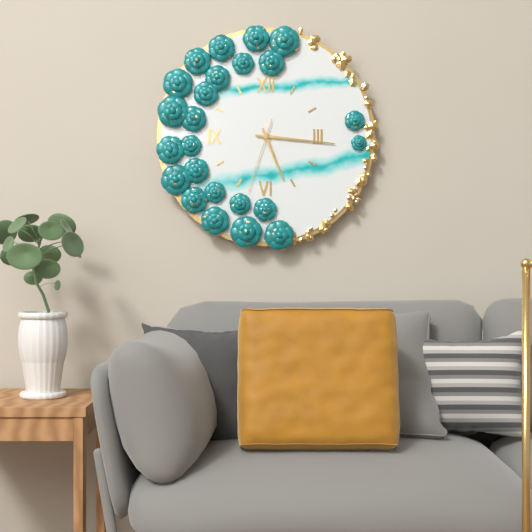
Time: h=5 m=16 s=33
